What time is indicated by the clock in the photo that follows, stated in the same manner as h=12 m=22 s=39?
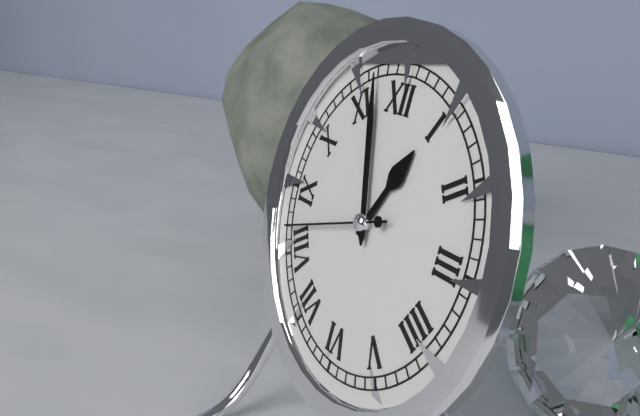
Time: h=12 m=57 s=42
